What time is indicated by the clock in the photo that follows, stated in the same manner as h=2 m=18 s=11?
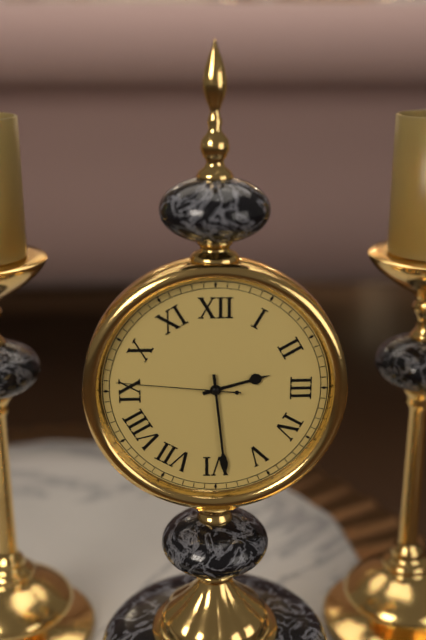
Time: h=2 m=29 s=46
